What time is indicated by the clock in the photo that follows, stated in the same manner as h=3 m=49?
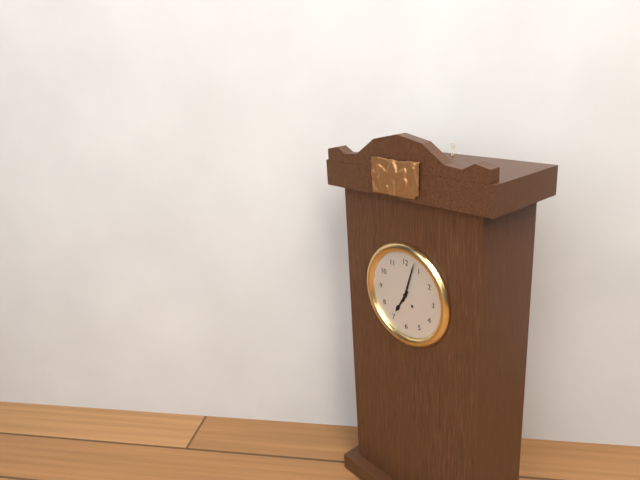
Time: h=7 m=3
